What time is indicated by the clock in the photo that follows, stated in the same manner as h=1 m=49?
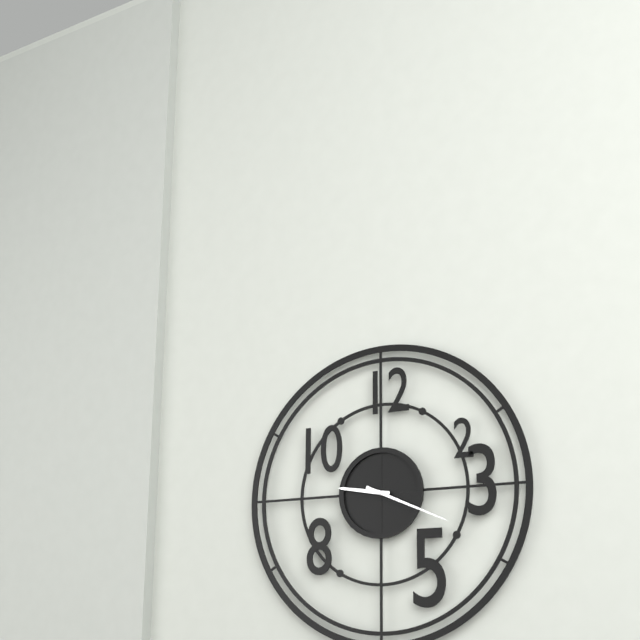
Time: h=9 m=19
